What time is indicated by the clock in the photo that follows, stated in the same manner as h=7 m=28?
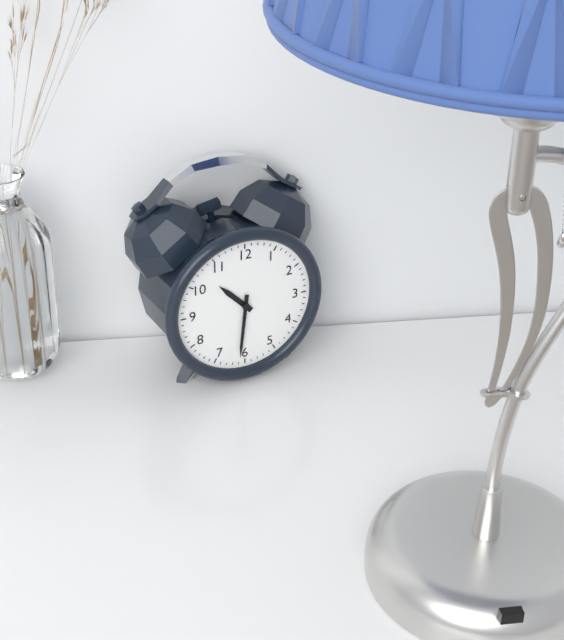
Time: h=10 m=31
